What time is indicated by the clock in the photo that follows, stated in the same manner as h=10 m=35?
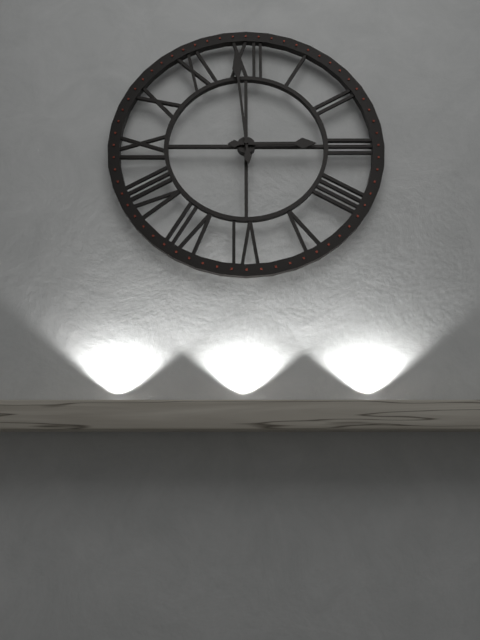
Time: h=2 m=59
